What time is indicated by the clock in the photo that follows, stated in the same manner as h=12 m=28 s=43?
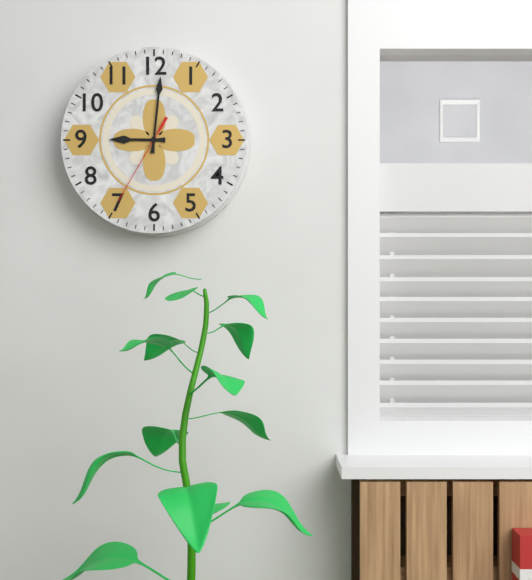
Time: h=9 m=1 s=35
